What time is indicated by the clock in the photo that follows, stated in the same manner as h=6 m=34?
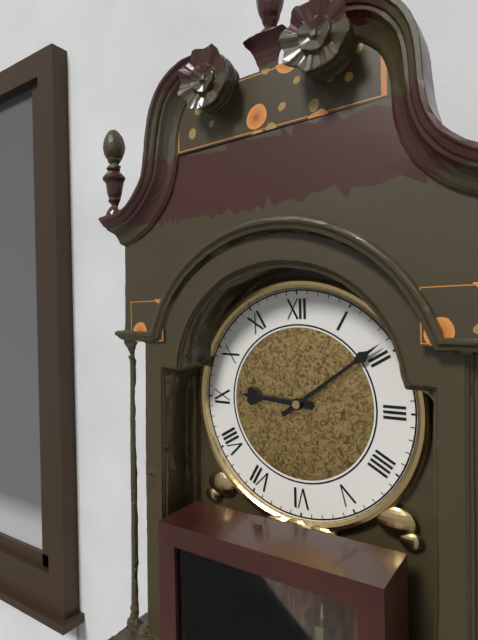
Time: h=9 m=9
